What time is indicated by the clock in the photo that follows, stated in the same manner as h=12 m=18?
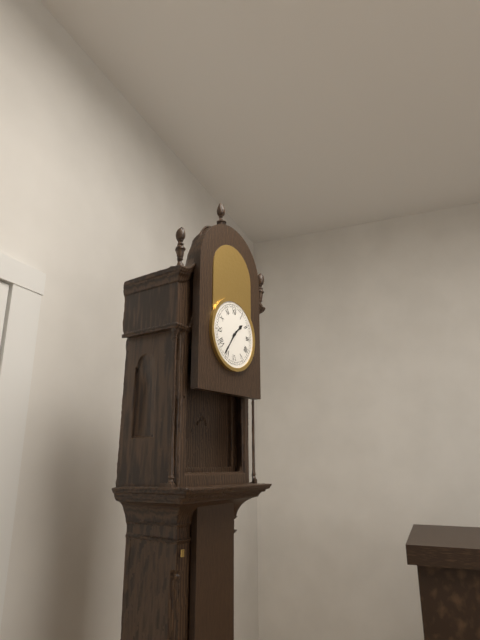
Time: h=1 m=36
